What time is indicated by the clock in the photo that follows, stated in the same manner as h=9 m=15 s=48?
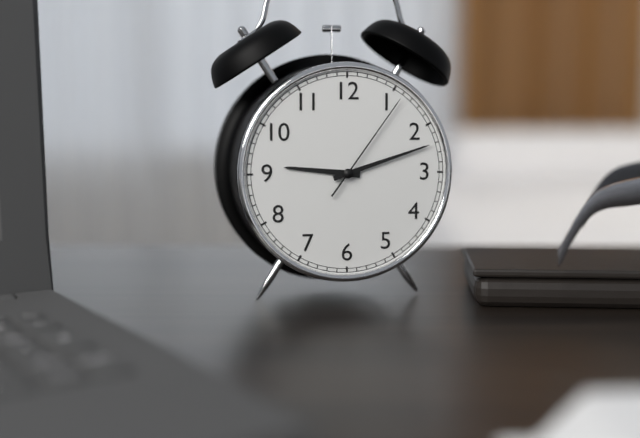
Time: h=9 m=12 s=6
